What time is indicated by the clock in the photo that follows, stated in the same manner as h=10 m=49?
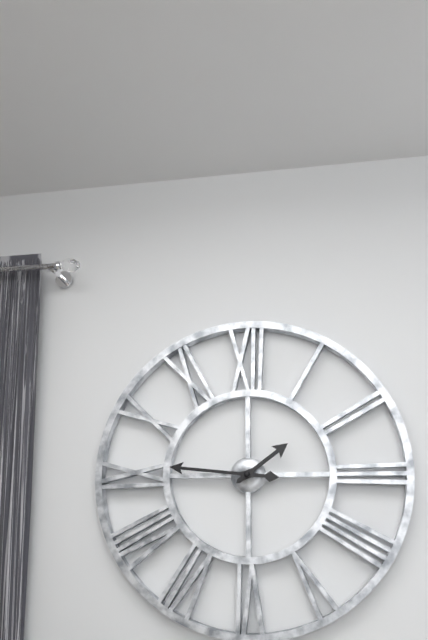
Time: h=1 m=46
